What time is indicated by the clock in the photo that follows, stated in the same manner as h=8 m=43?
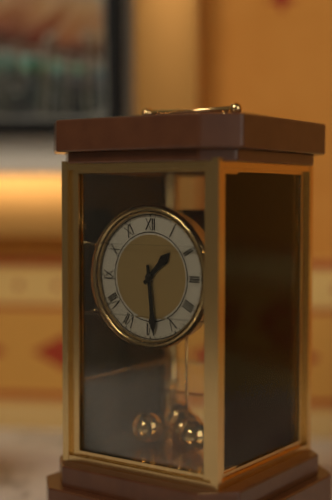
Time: h=1 m=29
